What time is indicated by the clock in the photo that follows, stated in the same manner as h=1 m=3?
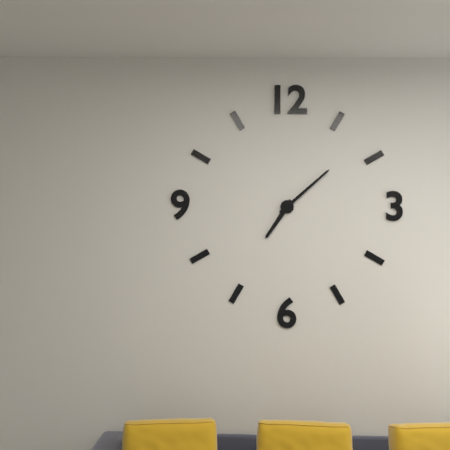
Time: h=7 m=8
